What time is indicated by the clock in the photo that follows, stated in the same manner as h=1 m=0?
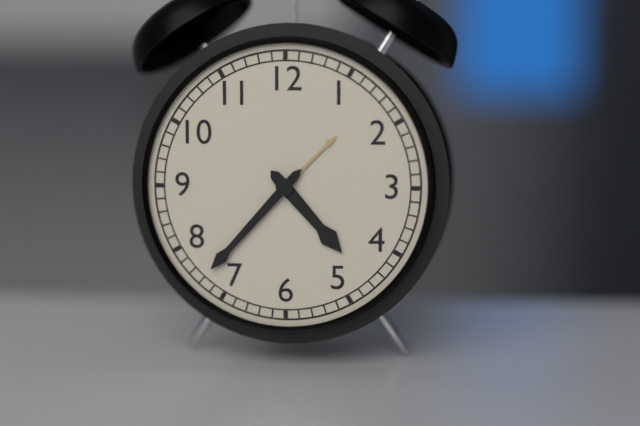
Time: h=4 m=37
